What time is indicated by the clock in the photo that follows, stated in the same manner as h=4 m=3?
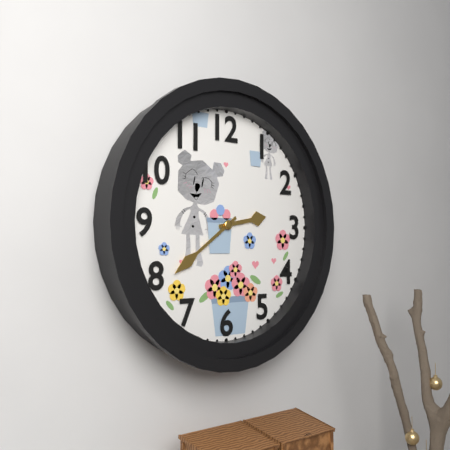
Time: h=2 m=39
